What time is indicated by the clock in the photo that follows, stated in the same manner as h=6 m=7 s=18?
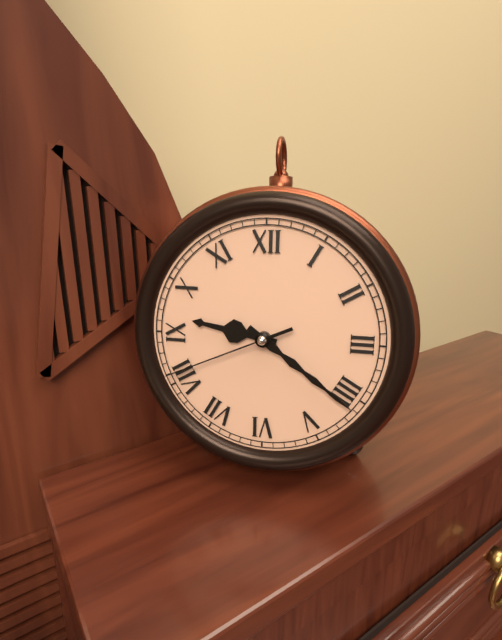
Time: h=9 m=21 s=41
